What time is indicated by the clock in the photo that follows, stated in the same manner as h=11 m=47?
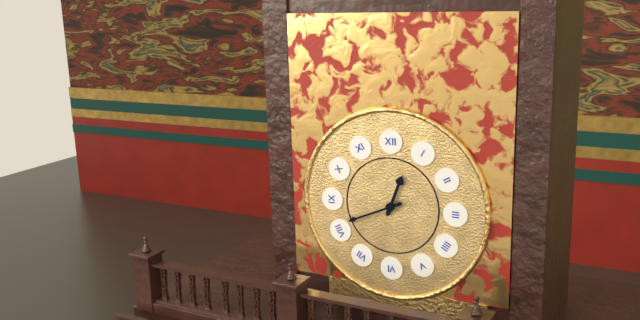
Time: h=12 m=41
